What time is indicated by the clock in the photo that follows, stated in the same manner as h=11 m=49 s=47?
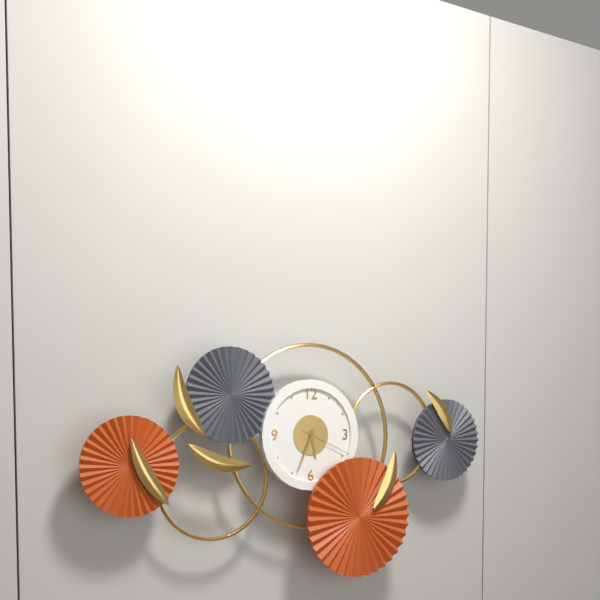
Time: h=5 m=34 s=19
